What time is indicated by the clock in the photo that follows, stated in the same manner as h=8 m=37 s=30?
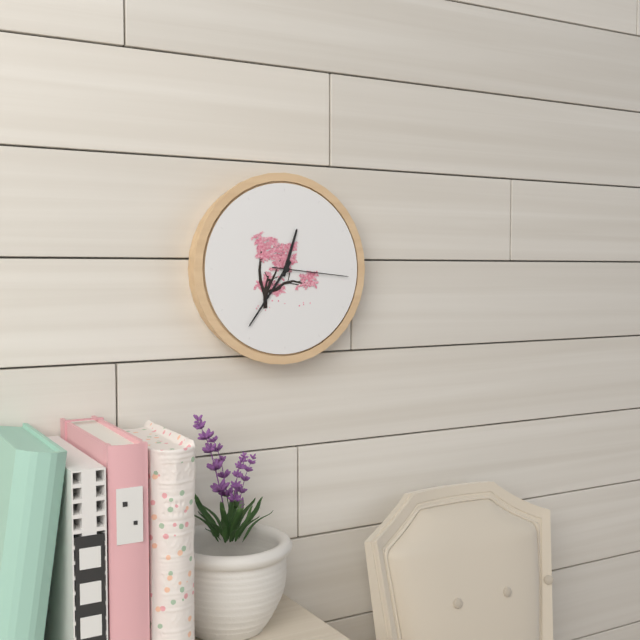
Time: h=12 m=36 s=16
